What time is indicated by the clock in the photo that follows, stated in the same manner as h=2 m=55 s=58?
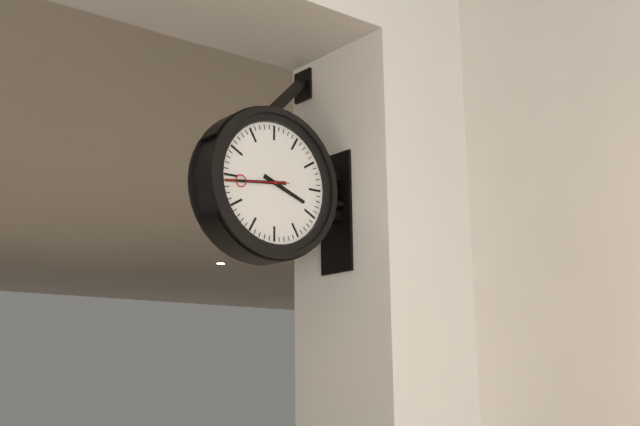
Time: h=3 m=44 s=44
